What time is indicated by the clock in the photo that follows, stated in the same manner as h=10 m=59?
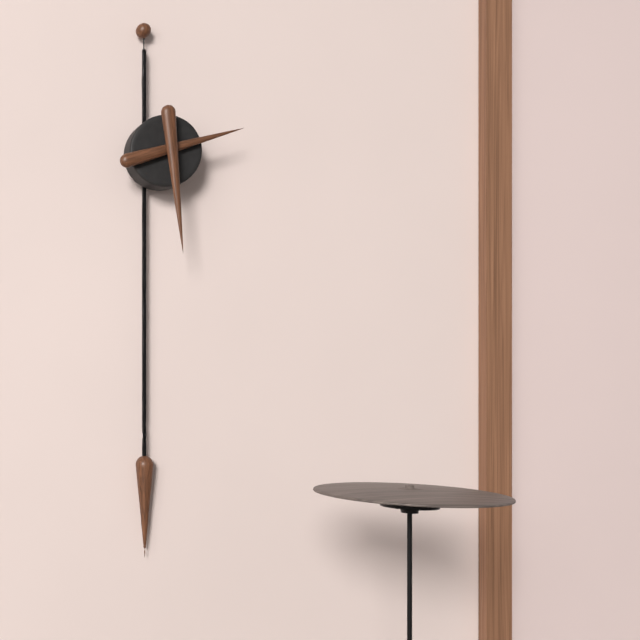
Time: h=2 m=29
